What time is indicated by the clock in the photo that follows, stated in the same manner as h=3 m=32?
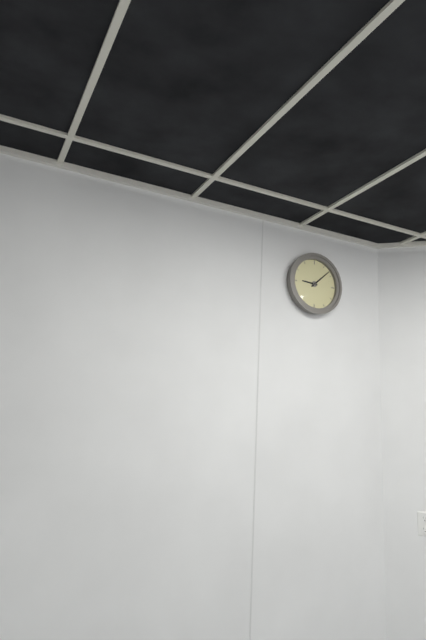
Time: h=9 m=8
